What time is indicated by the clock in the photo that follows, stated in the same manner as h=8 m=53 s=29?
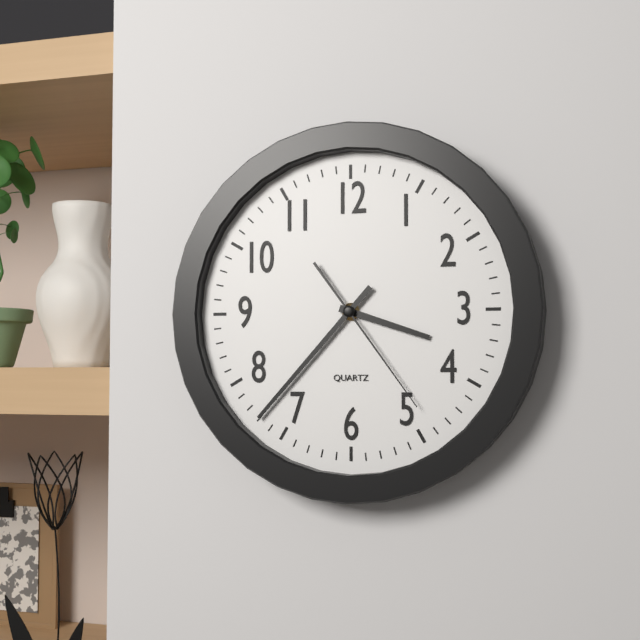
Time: h=3 m=37 s=24
